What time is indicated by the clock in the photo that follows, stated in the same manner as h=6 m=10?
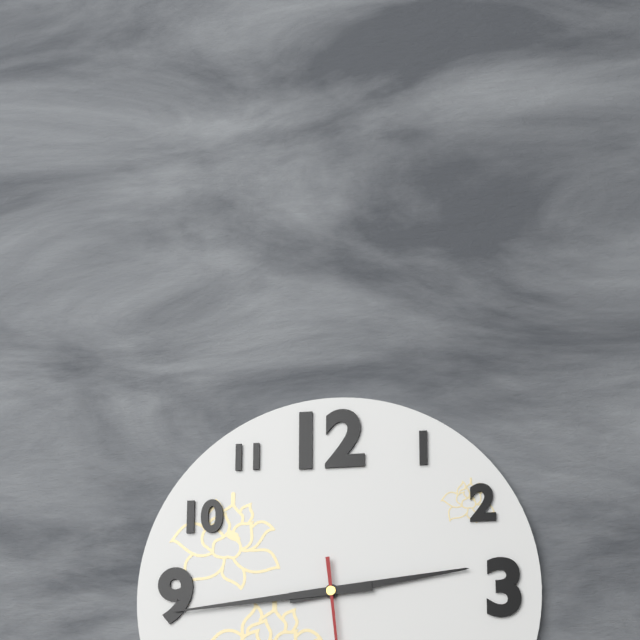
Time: h=2 m=44
